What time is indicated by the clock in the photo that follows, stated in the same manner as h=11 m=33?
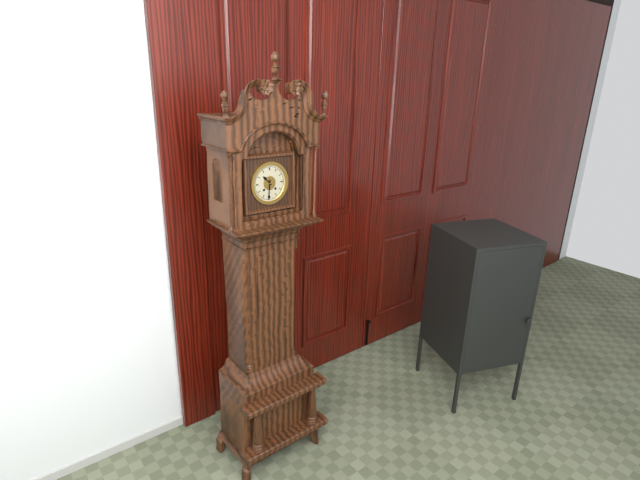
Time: h=10 m=31
